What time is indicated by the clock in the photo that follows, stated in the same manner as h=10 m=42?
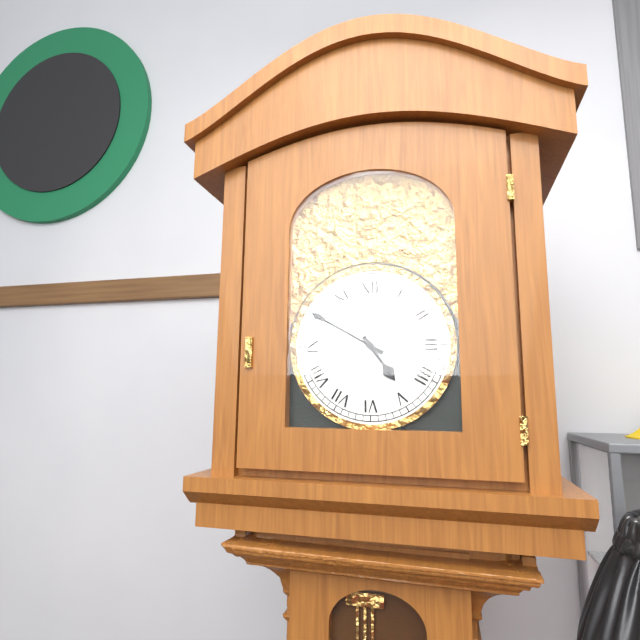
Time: h=4 m=50
